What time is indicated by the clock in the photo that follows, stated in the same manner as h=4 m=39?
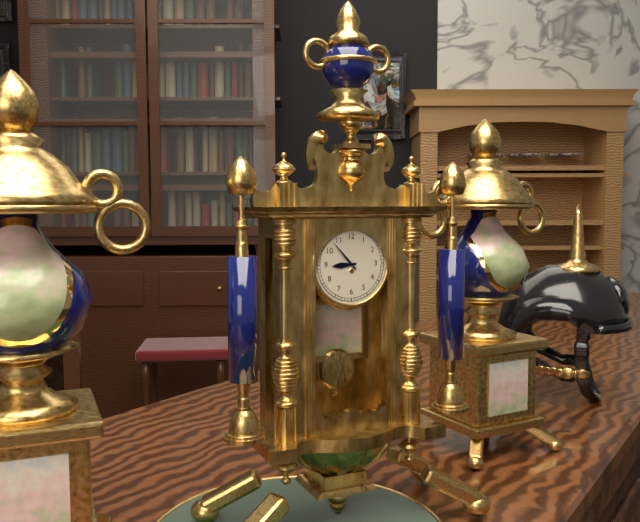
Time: h=8 m=53
